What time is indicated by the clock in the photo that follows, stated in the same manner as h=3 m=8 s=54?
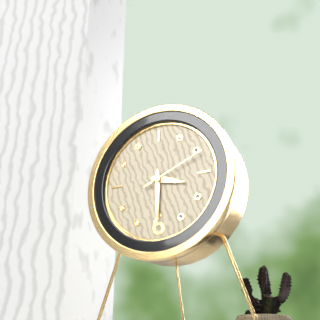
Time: h=3 m=30 s=11
